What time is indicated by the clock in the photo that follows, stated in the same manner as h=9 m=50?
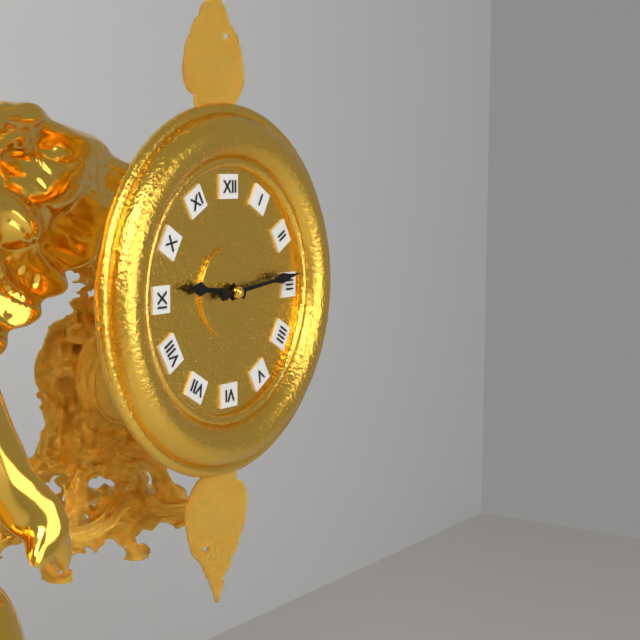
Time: h=9 m=14
